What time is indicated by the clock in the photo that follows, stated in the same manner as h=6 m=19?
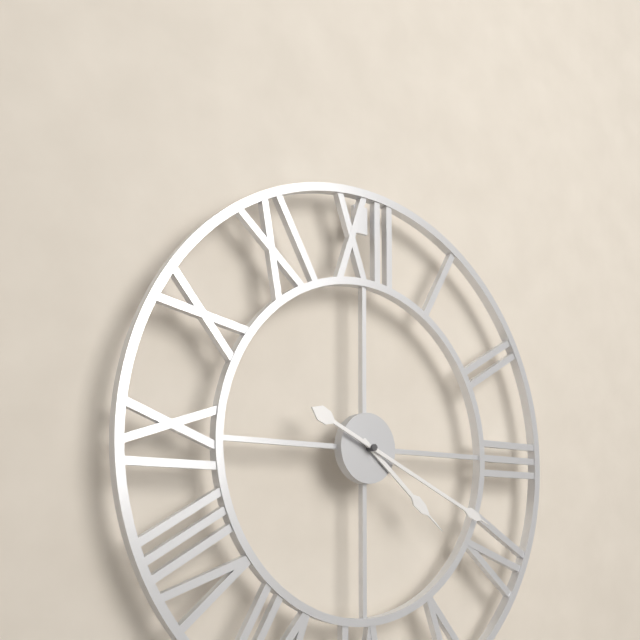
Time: h=4 m=19
